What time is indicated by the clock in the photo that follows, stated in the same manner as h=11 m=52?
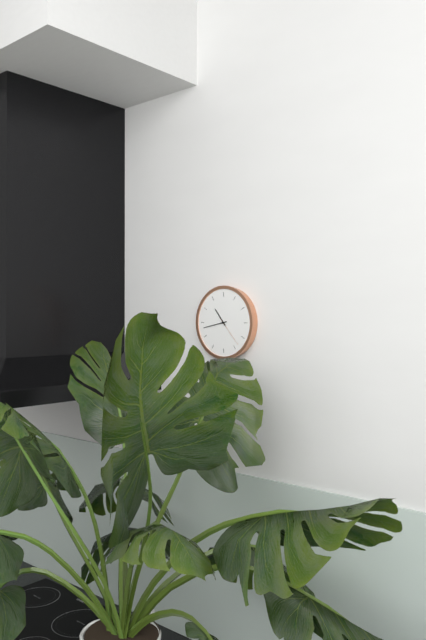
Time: h=10 m=43
